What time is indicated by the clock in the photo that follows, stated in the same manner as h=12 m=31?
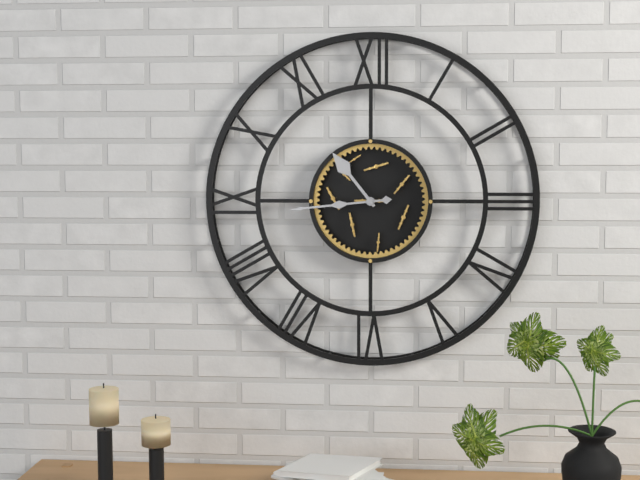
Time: h=10 m=44
